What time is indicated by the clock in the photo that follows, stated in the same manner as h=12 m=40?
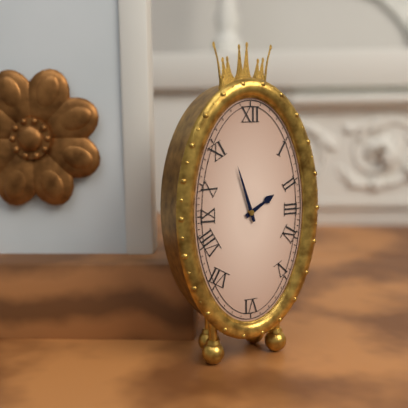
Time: h=1 m=57
